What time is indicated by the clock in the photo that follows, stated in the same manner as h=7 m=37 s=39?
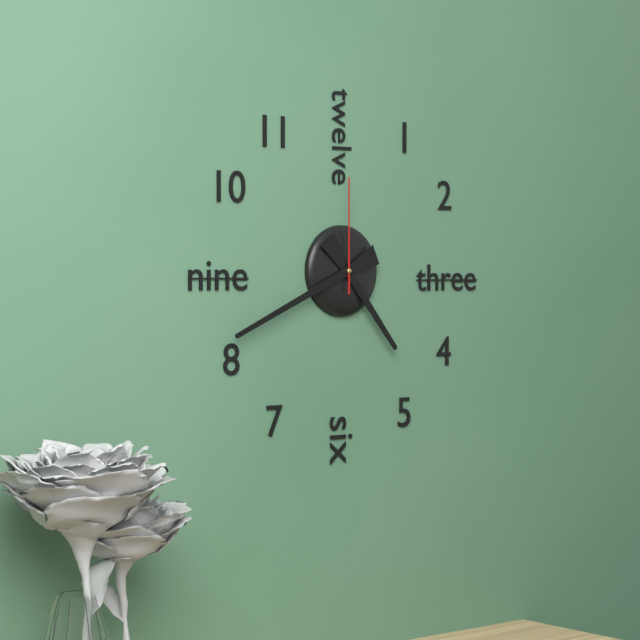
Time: h=4 m=41 s=0
